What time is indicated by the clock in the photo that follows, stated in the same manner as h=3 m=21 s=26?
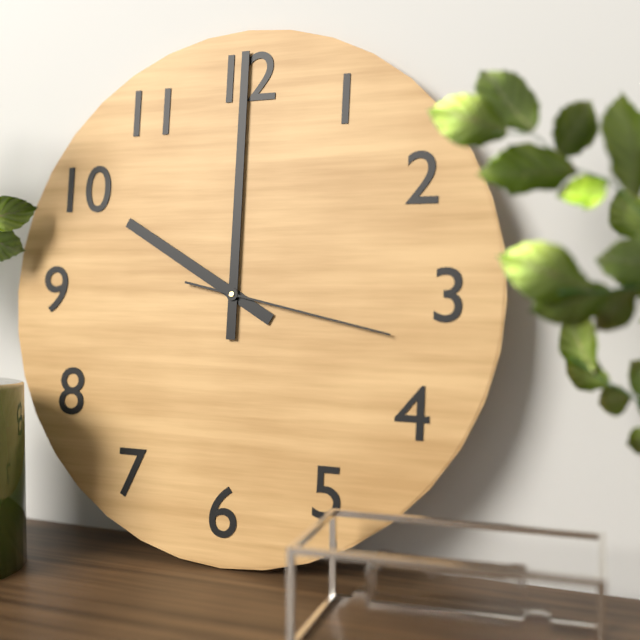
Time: h=10 m=0 s=17
